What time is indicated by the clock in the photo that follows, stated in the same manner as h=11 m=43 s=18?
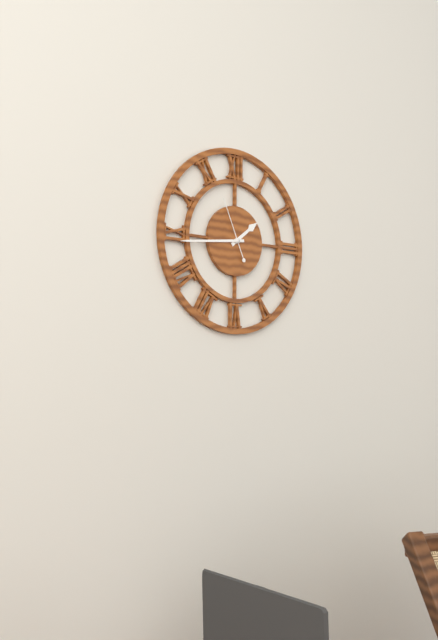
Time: h=1 m=44 s=56
